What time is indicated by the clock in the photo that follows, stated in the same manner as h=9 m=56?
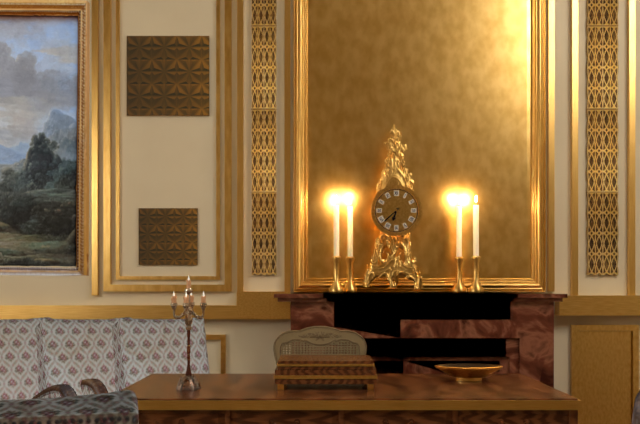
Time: h=6 m=38
